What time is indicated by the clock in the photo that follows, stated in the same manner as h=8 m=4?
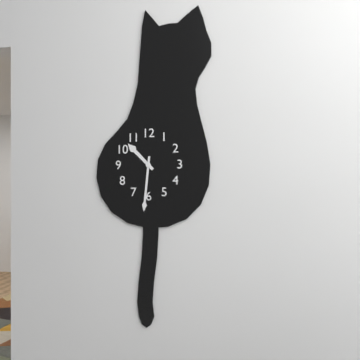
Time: h=10 m=31
